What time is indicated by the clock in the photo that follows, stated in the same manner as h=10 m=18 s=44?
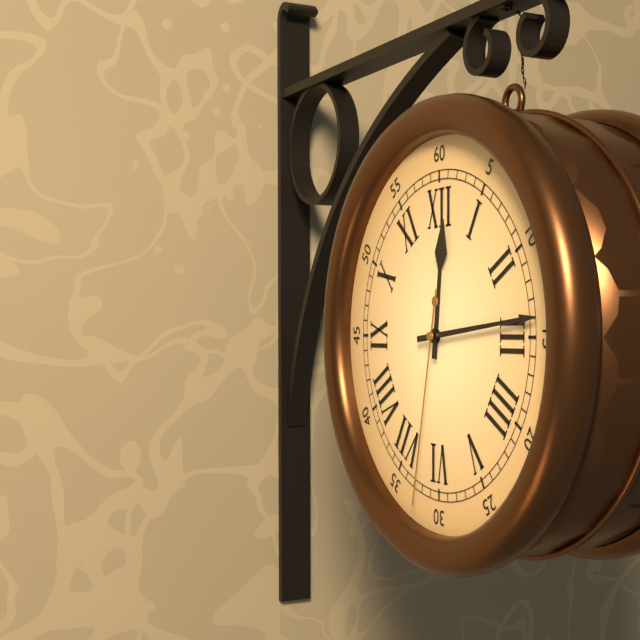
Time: h=12 m=14 s=32
